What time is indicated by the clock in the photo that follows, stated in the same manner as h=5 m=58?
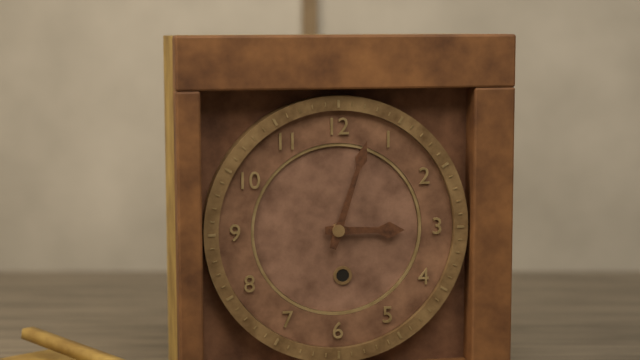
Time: h=3 m=3
